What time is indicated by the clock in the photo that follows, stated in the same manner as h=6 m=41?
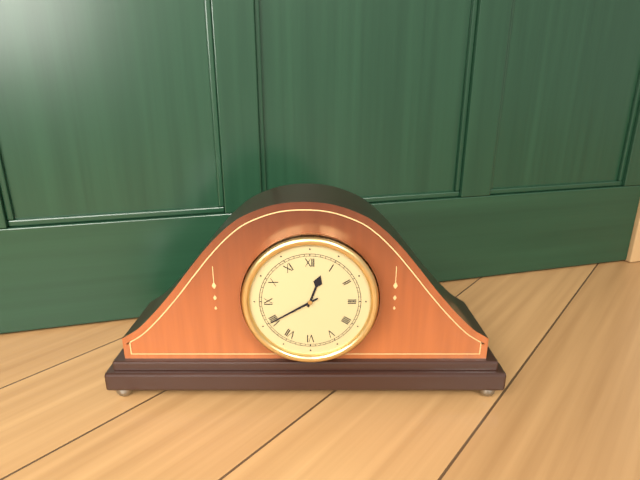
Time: h=12 m=40
